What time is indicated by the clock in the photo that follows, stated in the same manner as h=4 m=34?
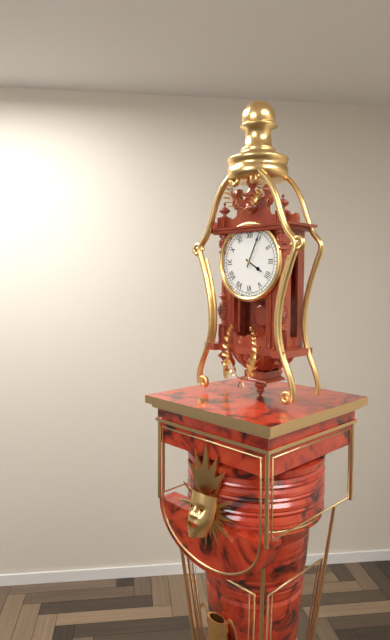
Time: h=4 m=4
